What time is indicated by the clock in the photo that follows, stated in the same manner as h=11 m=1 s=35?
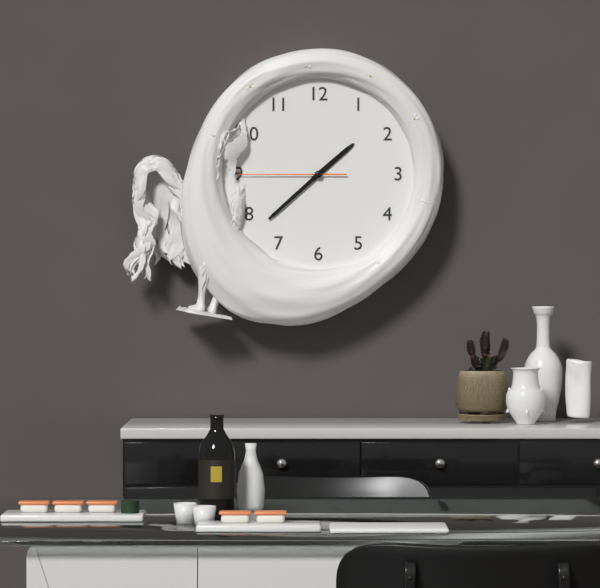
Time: h=1 m=38 s=45
